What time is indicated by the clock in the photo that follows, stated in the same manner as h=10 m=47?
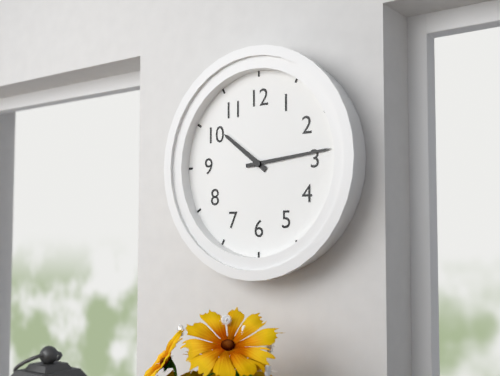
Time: h=10 m=14
